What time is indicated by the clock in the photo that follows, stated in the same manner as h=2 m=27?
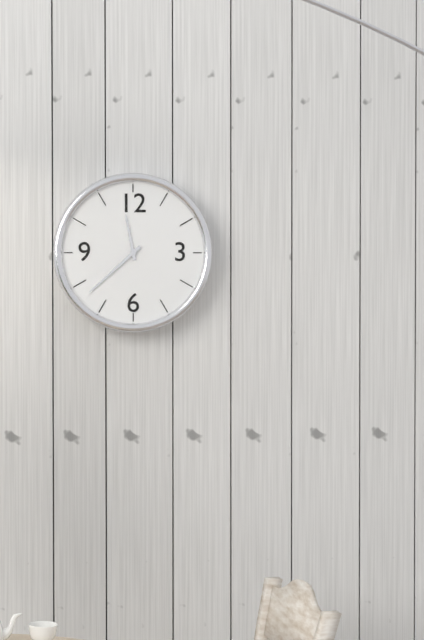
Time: h=11 m=38
